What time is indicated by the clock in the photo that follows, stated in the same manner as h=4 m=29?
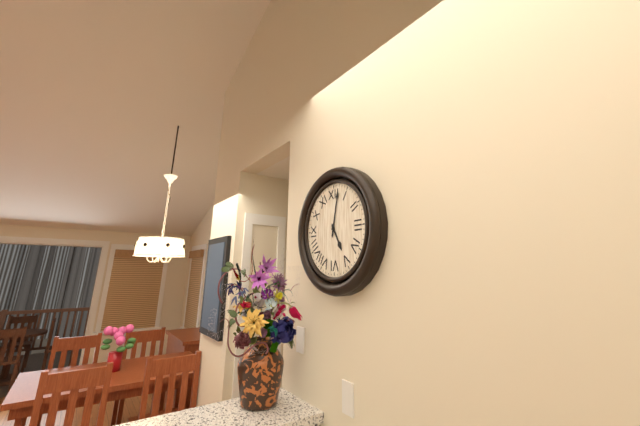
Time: h=5 m=2
